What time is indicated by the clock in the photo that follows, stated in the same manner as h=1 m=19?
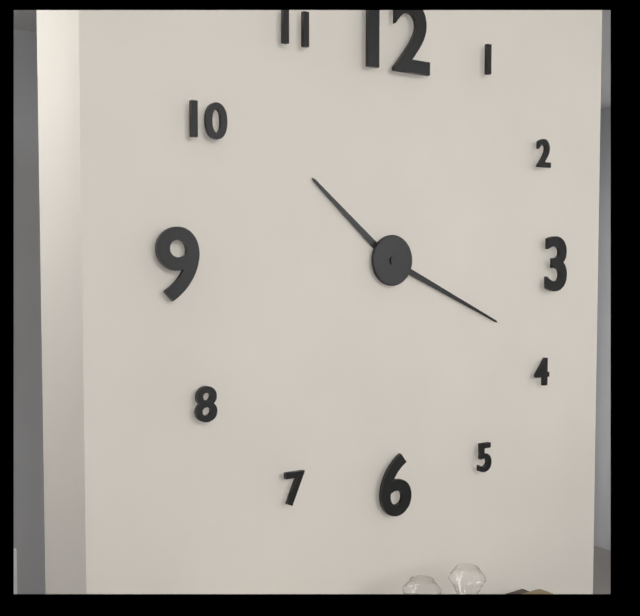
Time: h=10 m=19
